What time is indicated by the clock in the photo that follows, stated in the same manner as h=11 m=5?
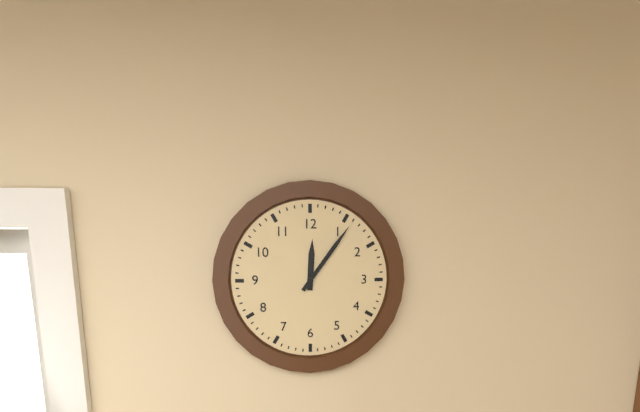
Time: h=12 m=6
